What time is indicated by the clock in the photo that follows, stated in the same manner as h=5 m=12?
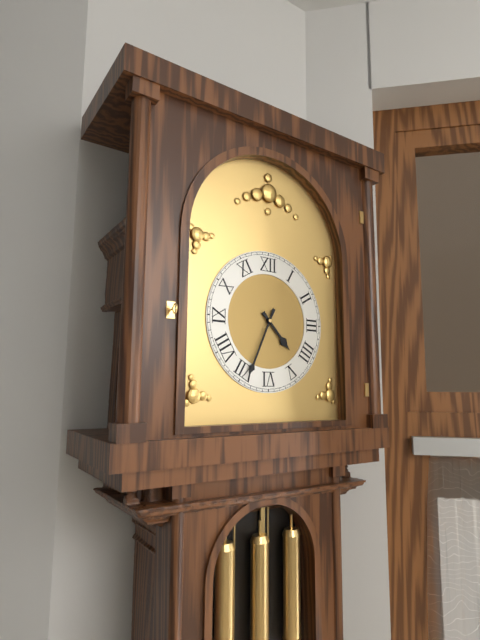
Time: h=4 m=34
